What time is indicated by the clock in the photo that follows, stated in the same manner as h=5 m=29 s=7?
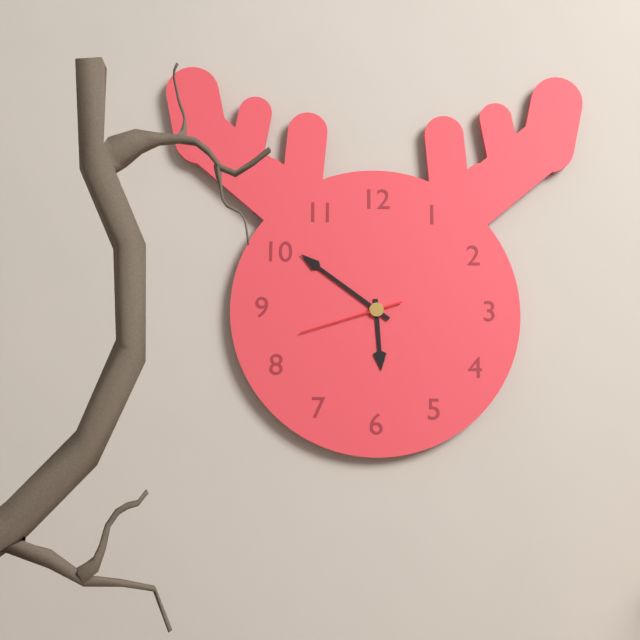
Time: h=5 m=51 s=42
